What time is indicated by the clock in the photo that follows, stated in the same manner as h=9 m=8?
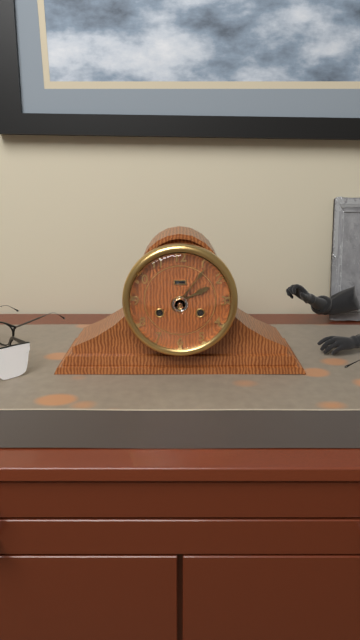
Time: h=2 m=6
